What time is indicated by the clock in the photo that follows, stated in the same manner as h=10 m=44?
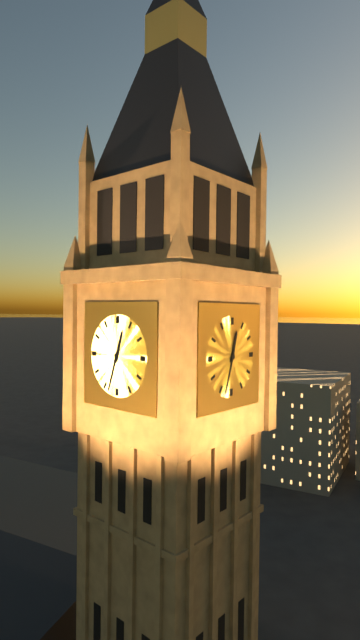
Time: h=12 m=33
